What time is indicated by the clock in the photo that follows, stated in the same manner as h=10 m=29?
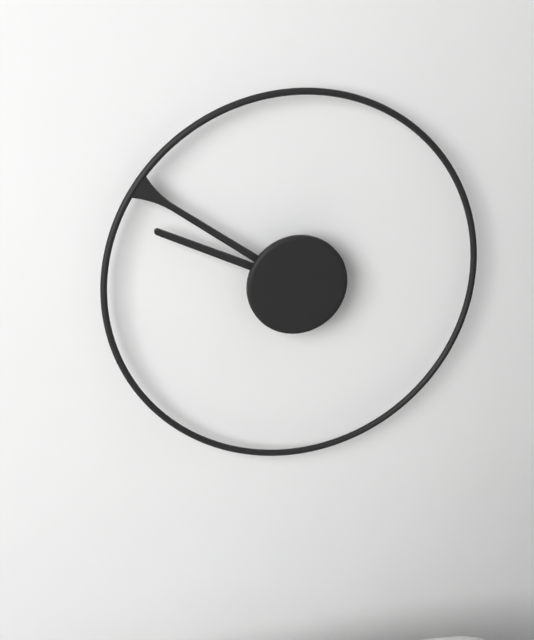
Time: h=9 m=51
